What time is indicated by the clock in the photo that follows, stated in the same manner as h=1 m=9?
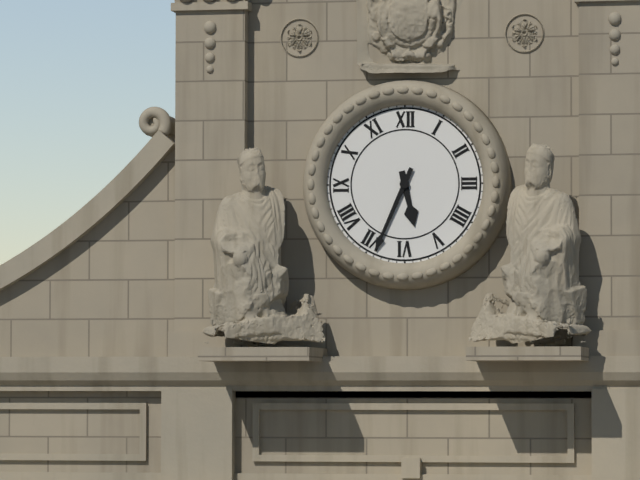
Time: h=5 m=34
